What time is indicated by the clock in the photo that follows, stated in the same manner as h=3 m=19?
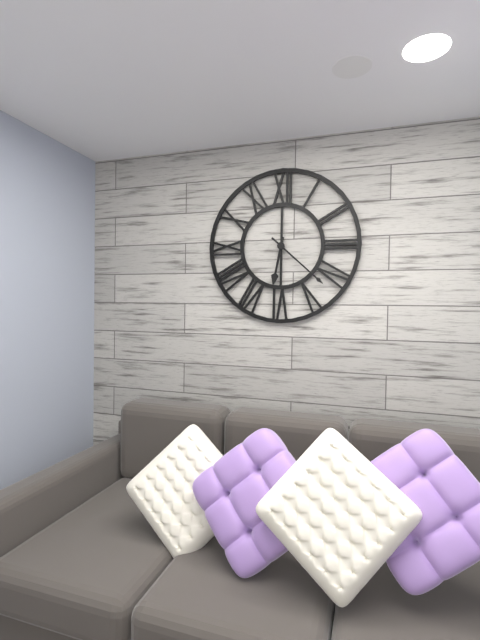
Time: h=6 m=22
